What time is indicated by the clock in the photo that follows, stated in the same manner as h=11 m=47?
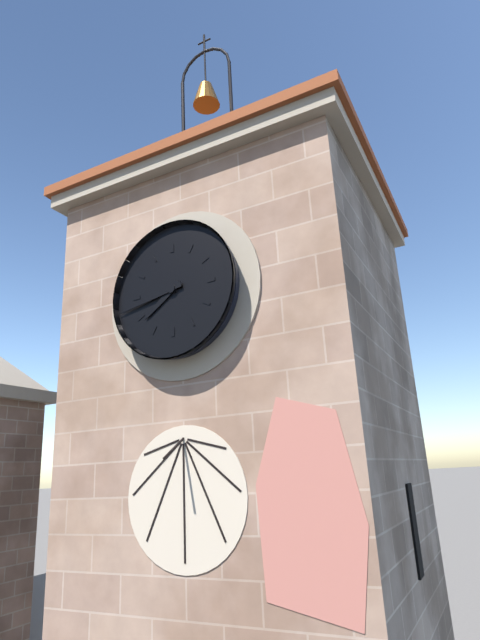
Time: h=7 m=43
